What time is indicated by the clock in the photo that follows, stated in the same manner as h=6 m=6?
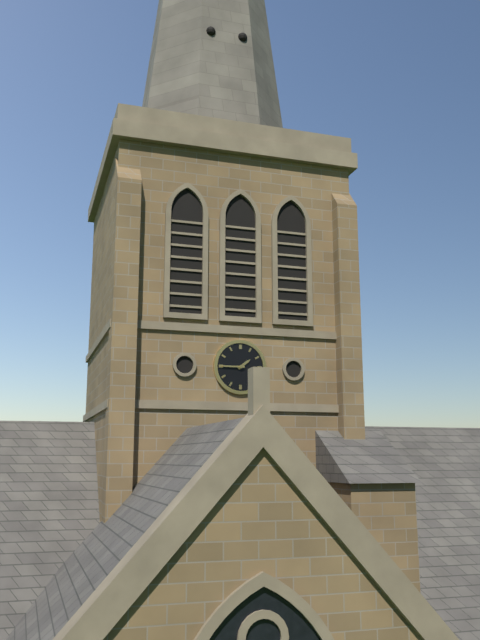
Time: h=1 m=45
